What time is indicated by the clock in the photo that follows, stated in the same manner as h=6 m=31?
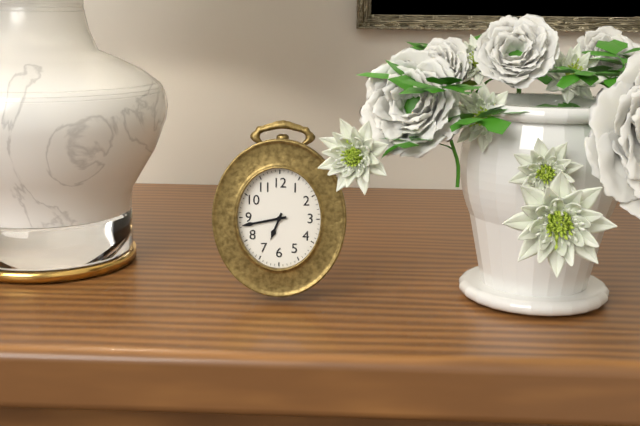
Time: h=6 m=43
